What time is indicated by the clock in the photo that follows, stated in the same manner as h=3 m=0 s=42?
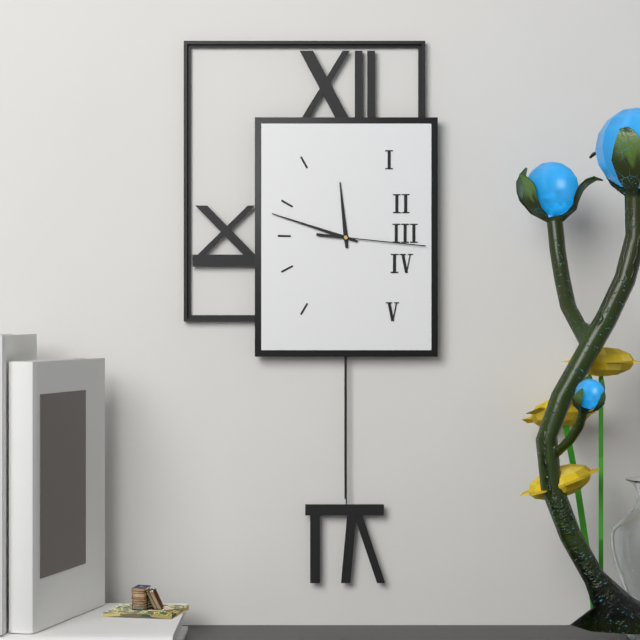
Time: h=11 m=48 s=16
